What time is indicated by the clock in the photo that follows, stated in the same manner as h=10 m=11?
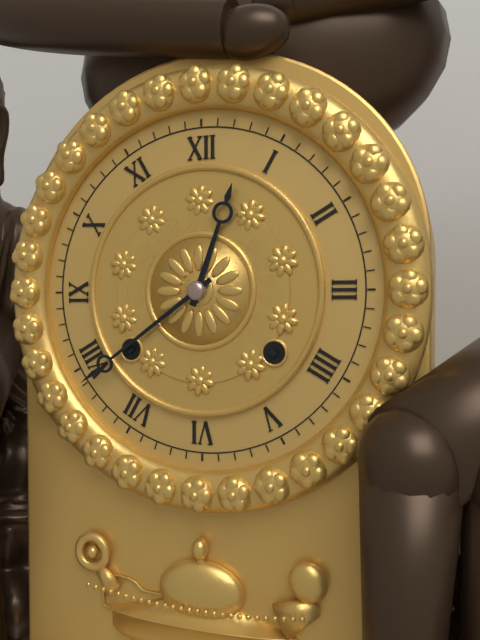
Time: h=12 m=39
